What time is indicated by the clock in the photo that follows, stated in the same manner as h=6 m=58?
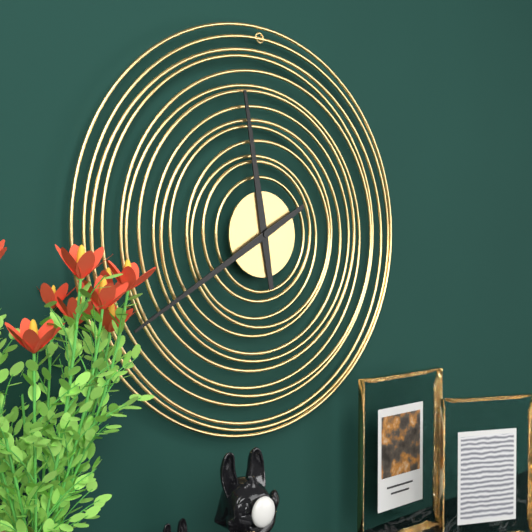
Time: h=11 m=40
